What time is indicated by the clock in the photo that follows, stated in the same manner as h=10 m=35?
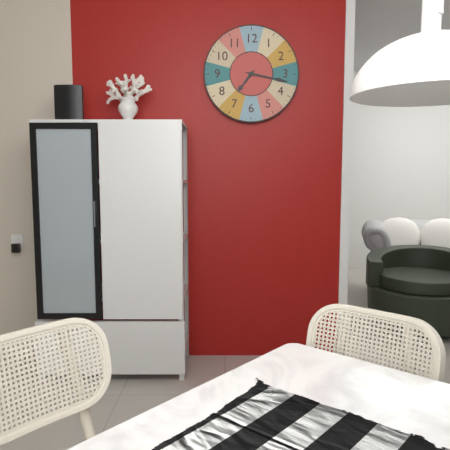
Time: h=7 m=17
